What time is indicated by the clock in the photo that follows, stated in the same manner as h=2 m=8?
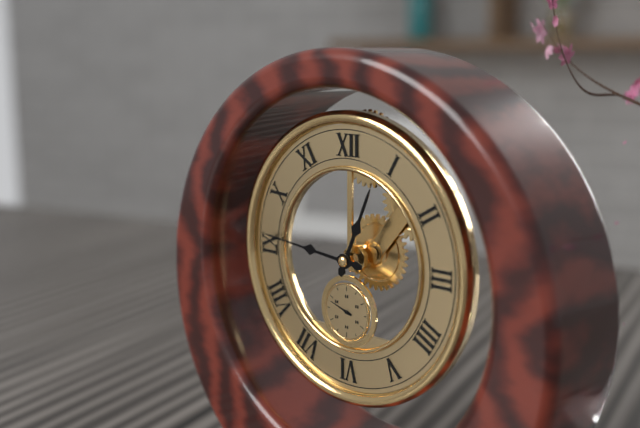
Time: h=12 m=46
